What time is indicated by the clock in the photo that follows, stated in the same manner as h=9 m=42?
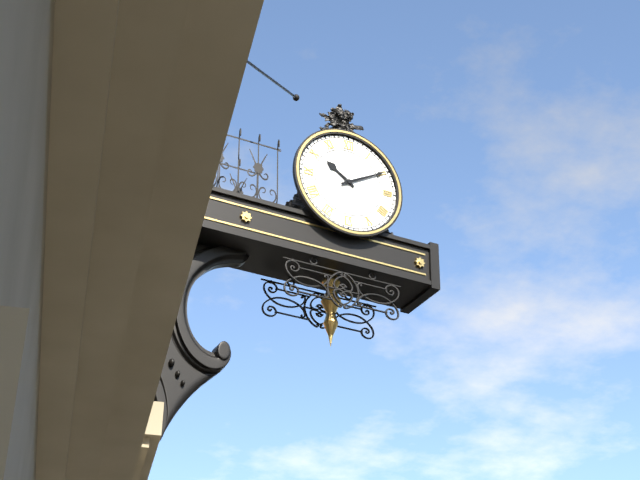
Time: h=10 m=10
